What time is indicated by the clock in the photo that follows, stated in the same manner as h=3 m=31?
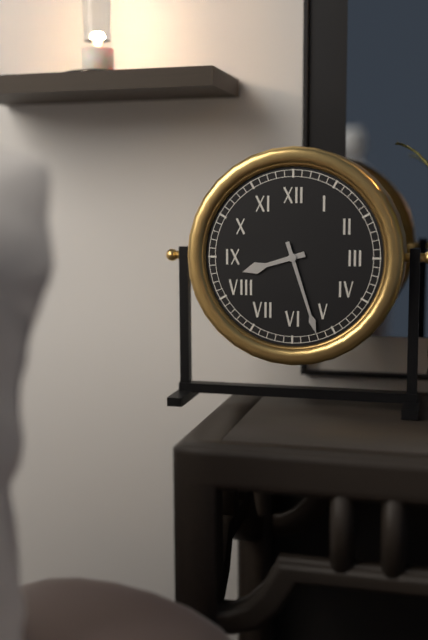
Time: h=8 m=27
